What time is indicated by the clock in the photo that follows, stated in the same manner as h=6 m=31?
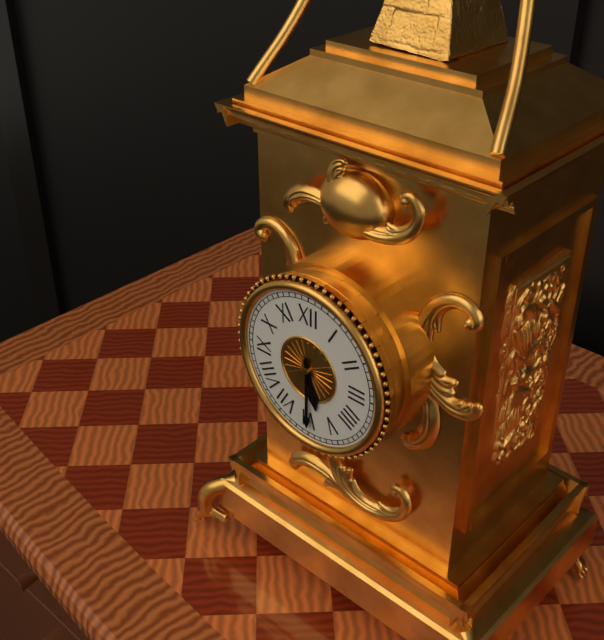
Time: h=5 m=30
